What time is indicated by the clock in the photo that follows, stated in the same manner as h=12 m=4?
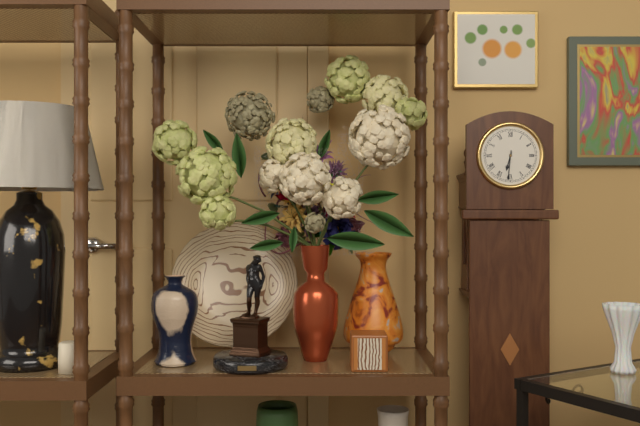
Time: h=6 m=31
